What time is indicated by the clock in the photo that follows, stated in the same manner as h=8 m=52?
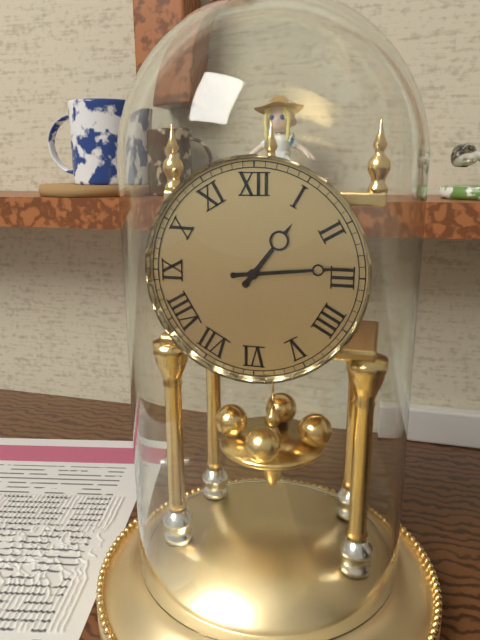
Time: h=1 m=14
